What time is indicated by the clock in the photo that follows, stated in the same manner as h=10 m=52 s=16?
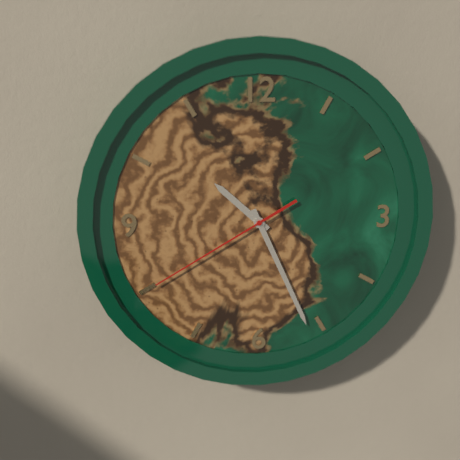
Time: h=10 m=26 s=40
